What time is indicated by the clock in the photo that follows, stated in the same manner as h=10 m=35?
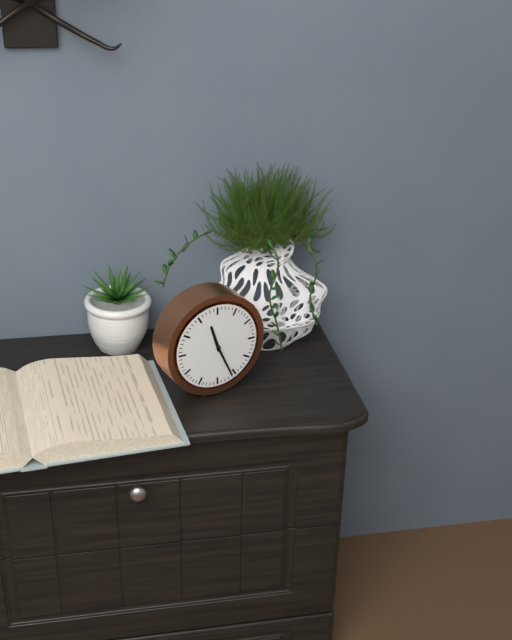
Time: h=11 m=26
